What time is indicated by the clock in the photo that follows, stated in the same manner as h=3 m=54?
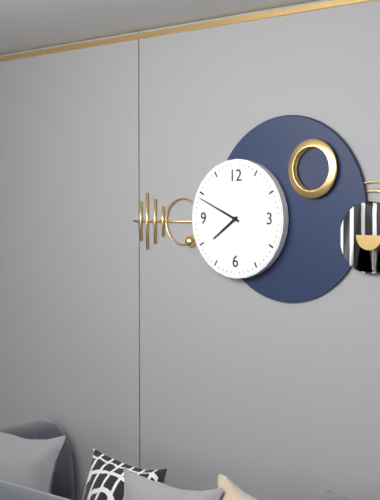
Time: h=7 m=49
